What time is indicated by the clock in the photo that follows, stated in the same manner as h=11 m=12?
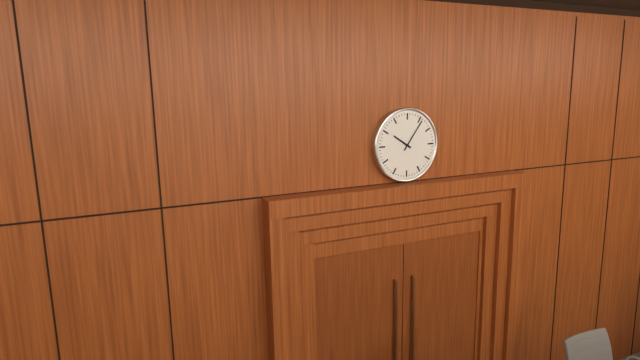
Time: h=10 m=6
